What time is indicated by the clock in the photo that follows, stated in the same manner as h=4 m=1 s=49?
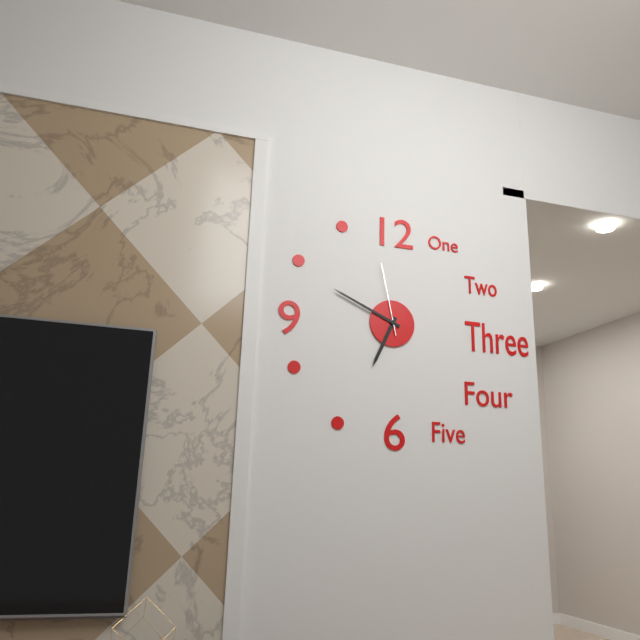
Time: h=6 m=49 s=58
